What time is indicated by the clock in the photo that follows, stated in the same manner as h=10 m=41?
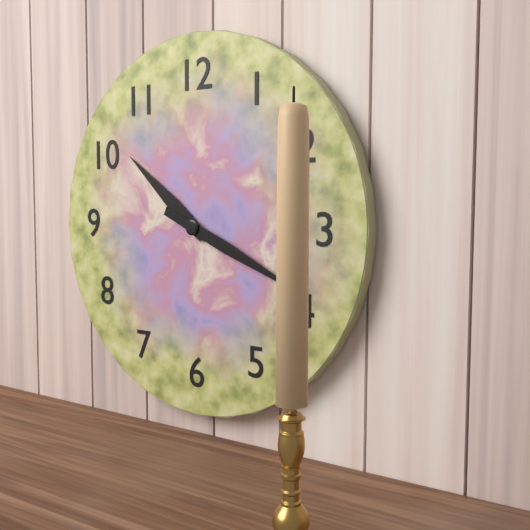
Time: h=10 m=19
